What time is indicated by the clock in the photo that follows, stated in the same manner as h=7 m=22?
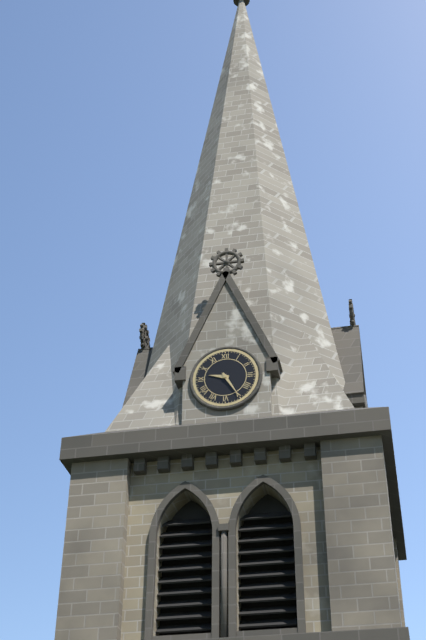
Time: h=9 m=25
